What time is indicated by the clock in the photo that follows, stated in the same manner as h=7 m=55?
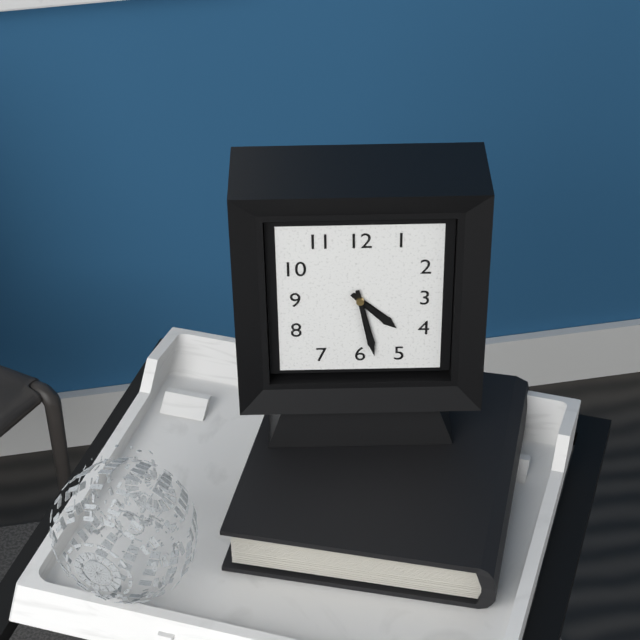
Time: h=4 m=28
